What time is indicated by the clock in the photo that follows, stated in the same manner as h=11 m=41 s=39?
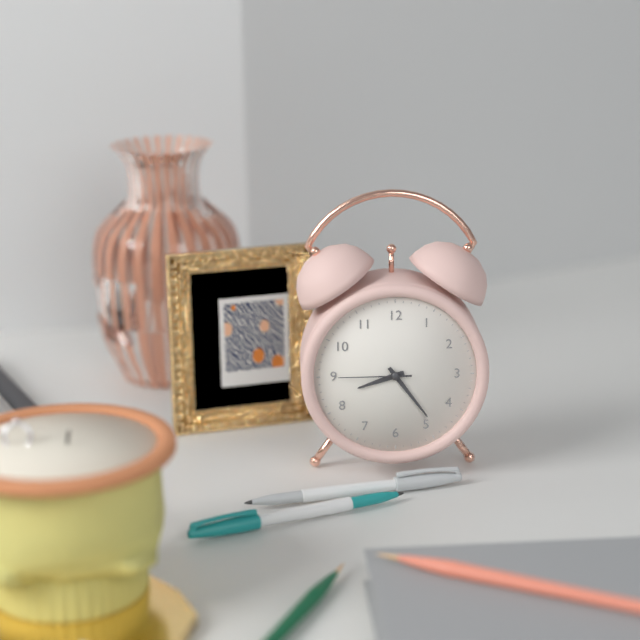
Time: h=8 m=24 s=45
